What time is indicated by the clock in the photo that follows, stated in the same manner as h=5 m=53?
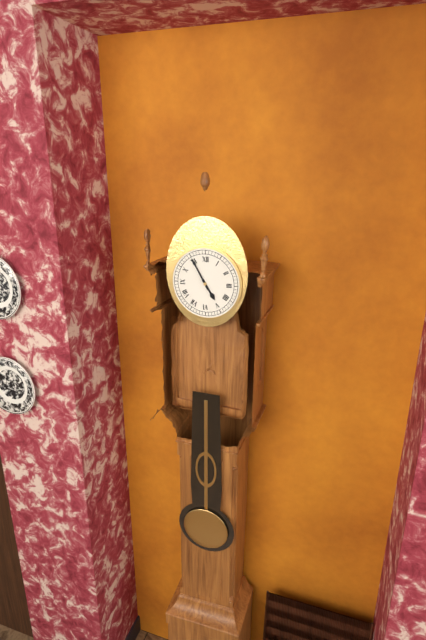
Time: h=4 m=55
